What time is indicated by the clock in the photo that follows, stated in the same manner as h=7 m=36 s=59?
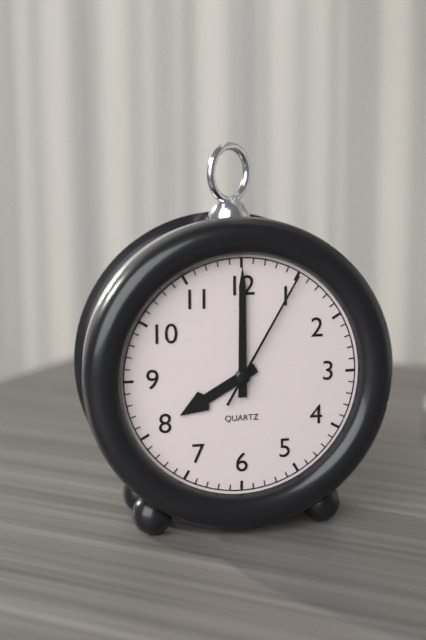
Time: h=8 m=0 s=5
